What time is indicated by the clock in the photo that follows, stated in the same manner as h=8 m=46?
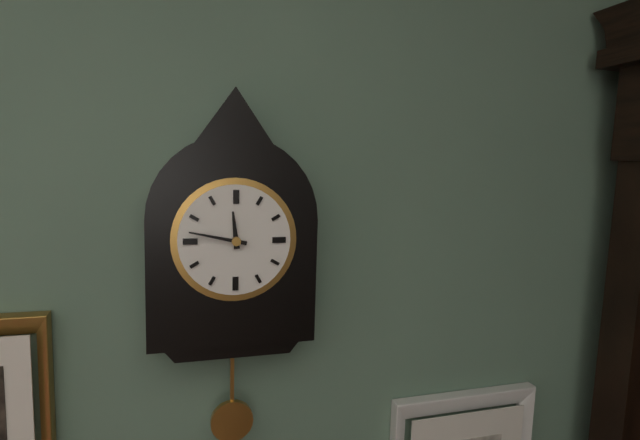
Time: h=11 m=47
